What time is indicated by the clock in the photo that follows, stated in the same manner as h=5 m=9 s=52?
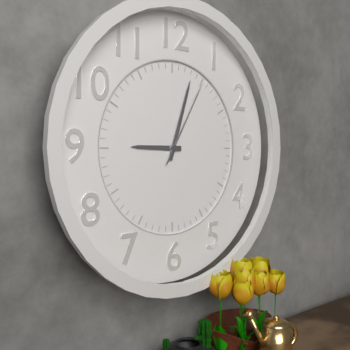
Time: h=9 m=3 s=5
